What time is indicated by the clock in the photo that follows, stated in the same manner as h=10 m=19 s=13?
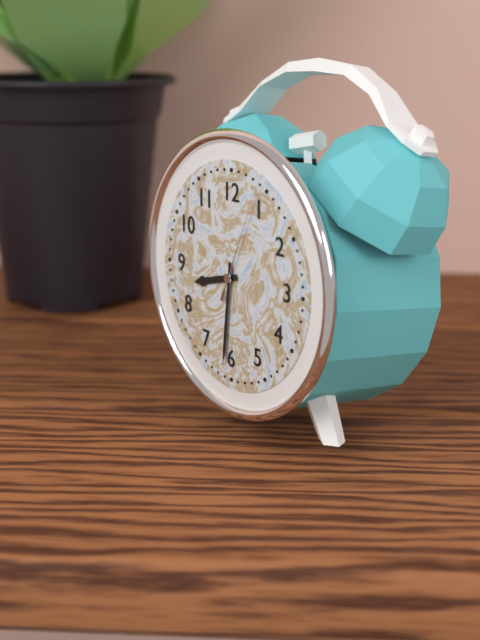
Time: h=8 m=31 s=4
